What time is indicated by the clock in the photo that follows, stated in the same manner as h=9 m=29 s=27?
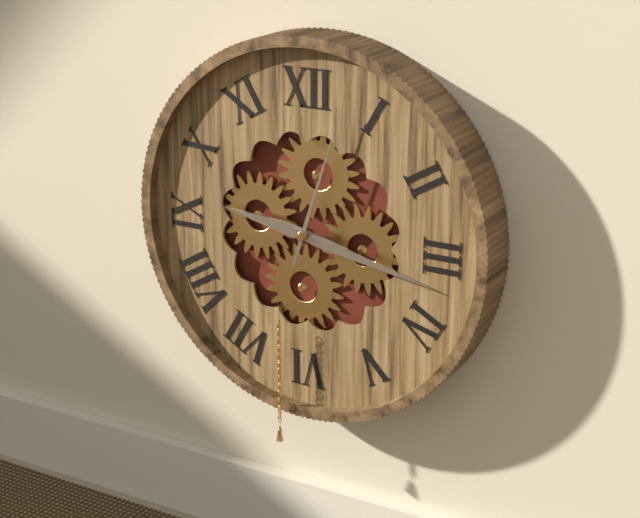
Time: h=9 m=17 s=3
